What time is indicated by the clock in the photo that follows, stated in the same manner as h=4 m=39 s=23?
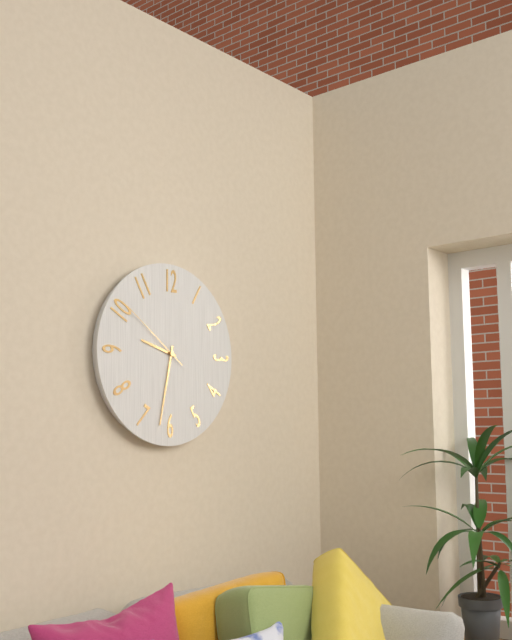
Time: h=9 m=32 s=51
